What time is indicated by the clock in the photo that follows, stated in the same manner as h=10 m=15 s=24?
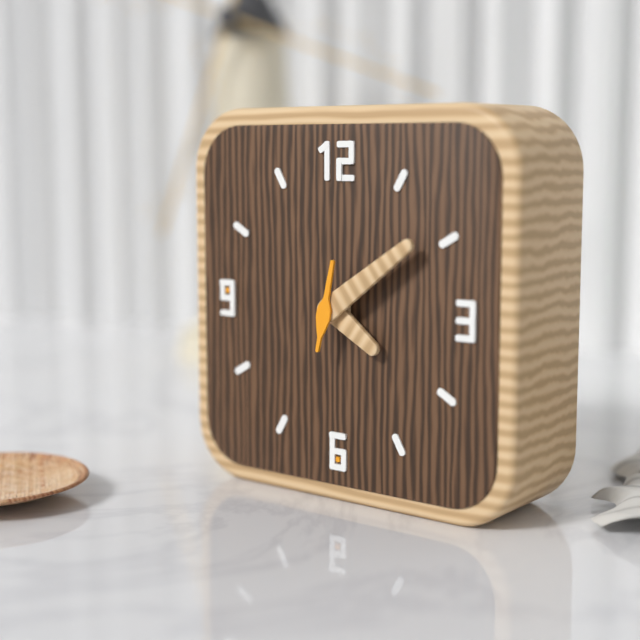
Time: h=4 m=9 s=2
